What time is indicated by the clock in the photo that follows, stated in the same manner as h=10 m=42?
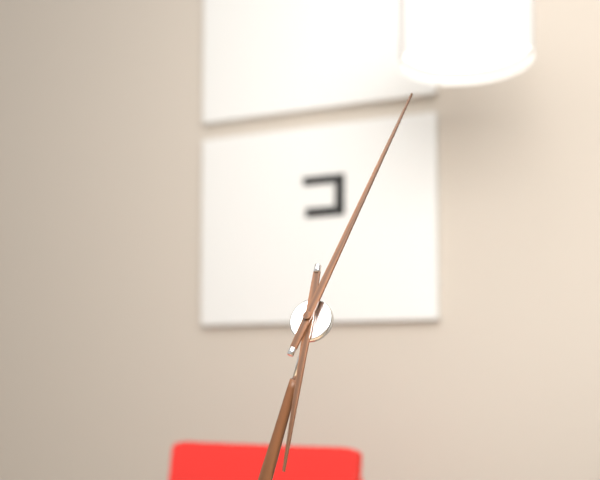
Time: h=6 m=3
